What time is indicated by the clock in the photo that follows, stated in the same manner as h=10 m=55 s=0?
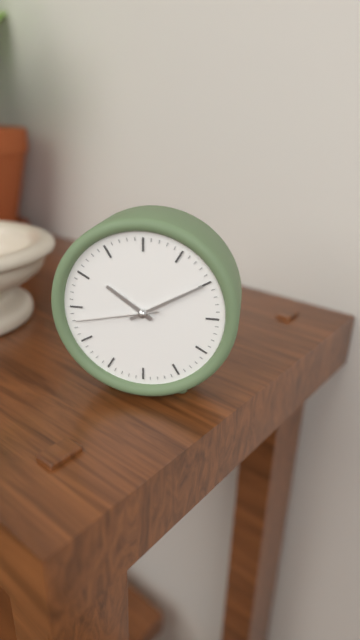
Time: h=10 m=10 s=43
